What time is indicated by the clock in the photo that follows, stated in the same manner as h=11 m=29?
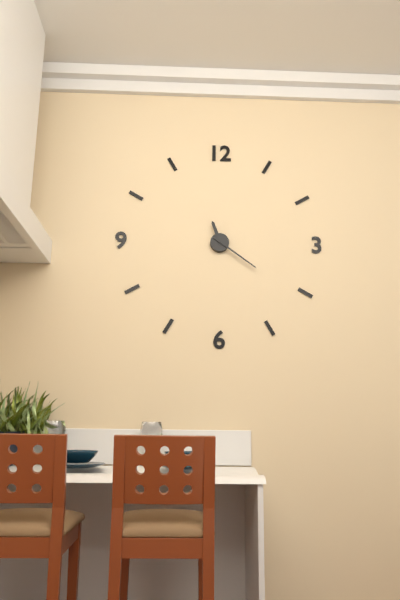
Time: h=11 m=21
